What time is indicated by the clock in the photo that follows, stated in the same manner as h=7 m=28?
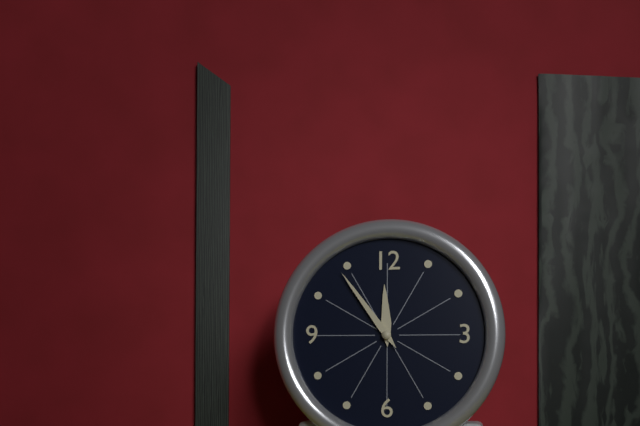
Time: h=11 m=54
